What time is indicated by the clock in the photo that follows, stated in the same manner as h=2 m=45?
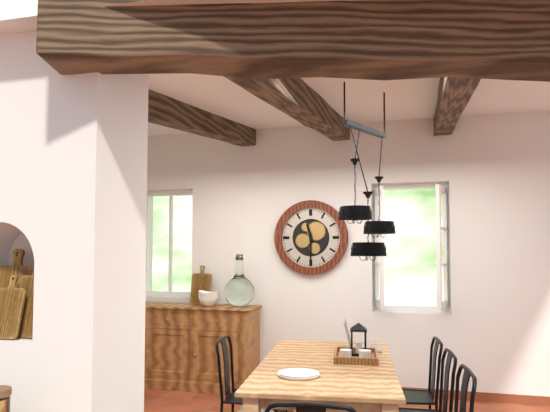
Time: h=11 m=30
